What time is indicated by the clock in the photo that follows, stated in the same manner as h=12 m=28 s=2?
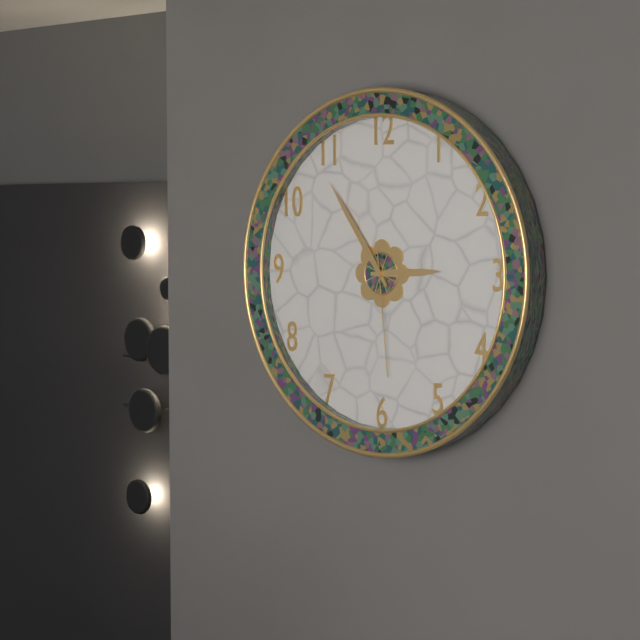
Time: h=2 m=54 s=29
